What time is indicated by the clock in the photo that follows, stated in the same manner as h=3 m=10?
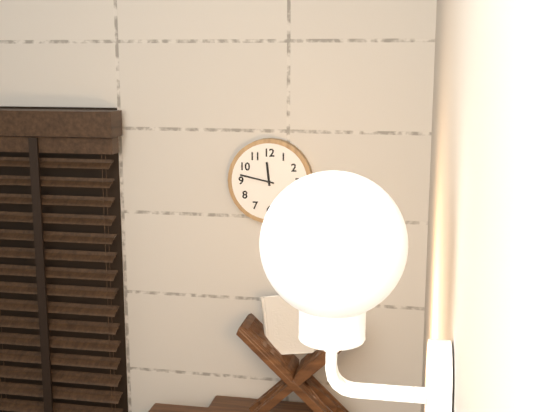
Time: h=11 m=47
